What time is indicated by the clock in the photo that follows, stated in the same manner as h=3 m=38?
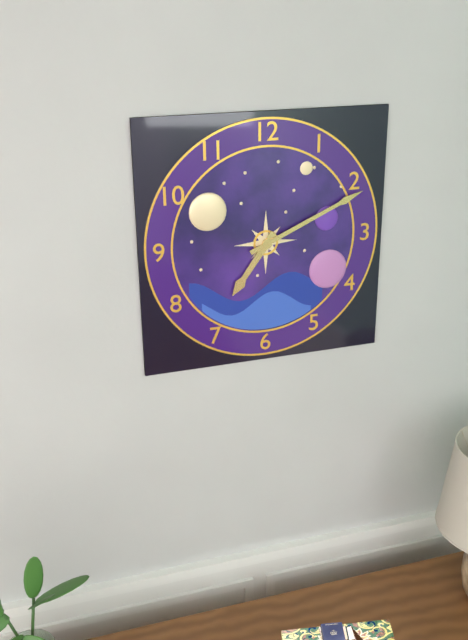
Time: h=7 m=11
